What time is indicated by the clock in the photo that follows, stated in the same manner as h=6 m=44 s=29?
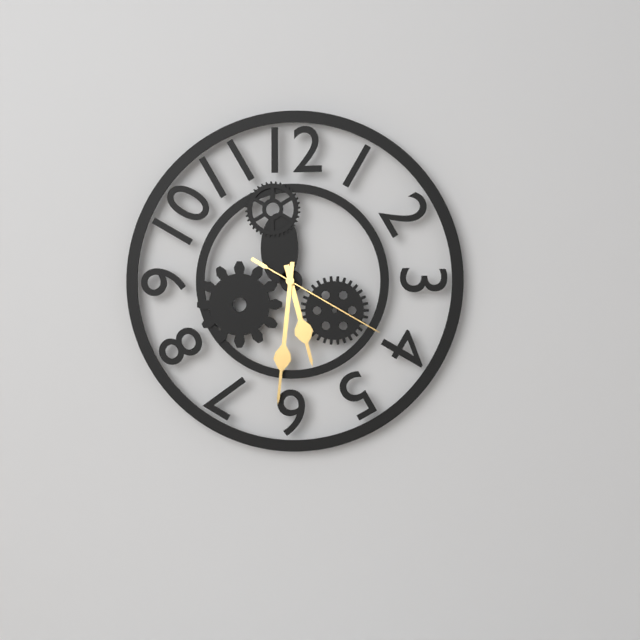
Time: h=5 m=31 s=20
